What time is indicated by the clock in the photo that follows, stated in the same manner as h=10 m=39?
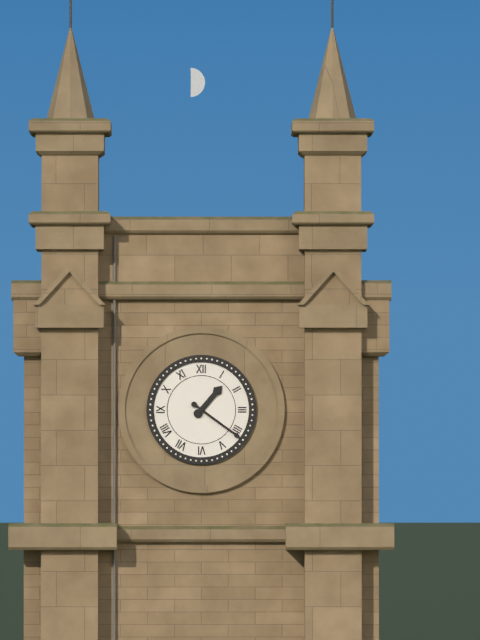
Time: h=1 m=21
